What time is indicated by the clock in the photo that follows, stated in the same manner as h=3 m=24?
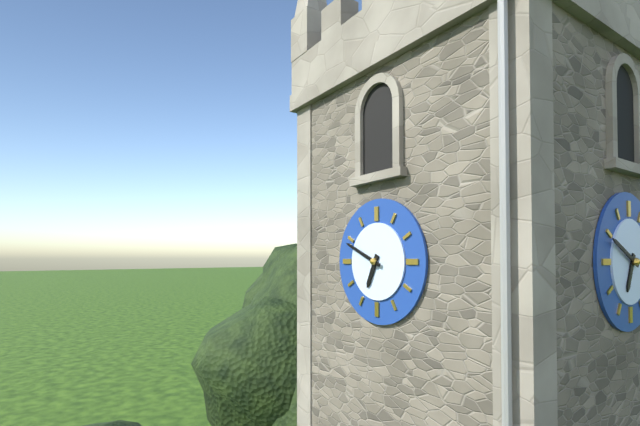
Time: h=6 m=49
